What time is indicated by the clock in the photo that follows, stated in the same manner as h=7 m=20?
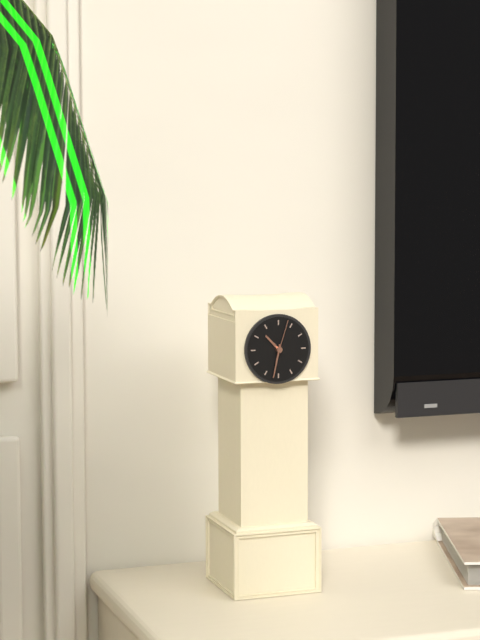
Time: h=10 m=32
